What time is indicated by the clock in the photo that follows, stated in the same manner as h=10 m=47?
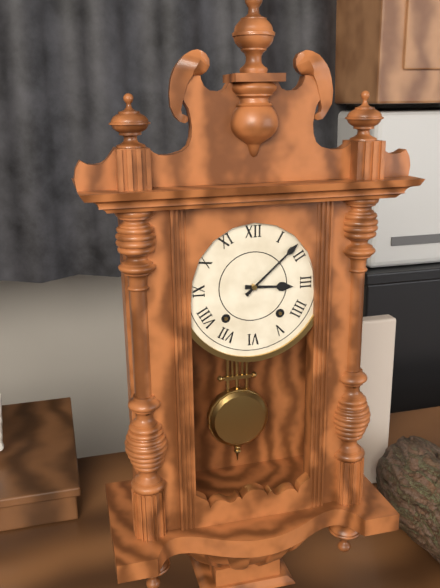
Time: h=3 m=8
